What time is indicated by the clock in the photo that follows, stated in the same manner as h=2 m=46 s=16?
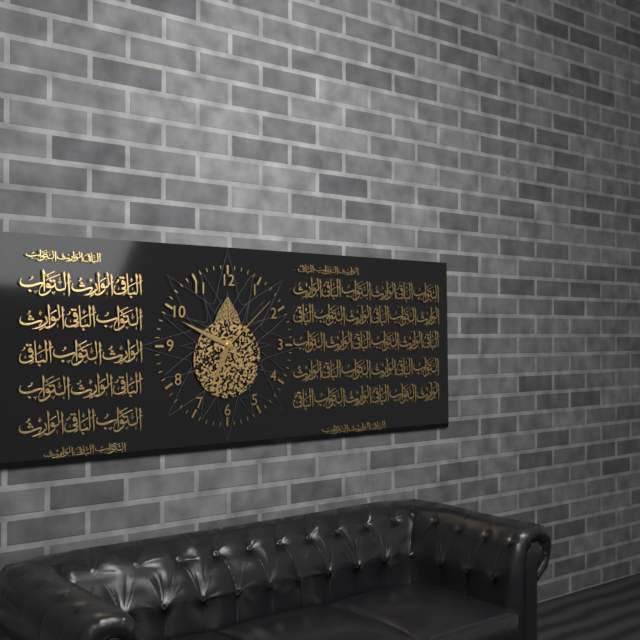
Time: h=6 m=49 s=8
